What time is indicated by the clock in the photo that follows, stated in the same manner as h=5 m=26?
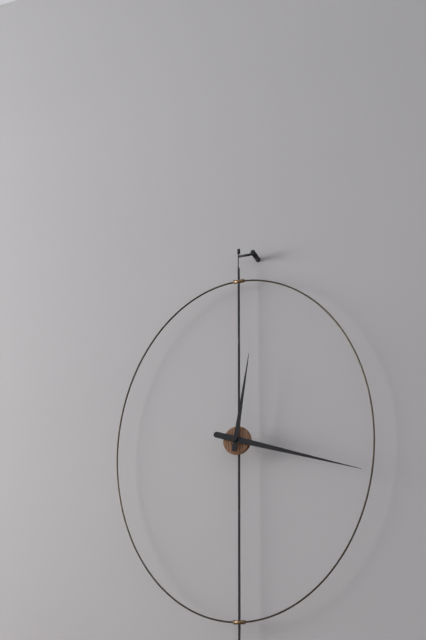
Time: h=12 m=18
